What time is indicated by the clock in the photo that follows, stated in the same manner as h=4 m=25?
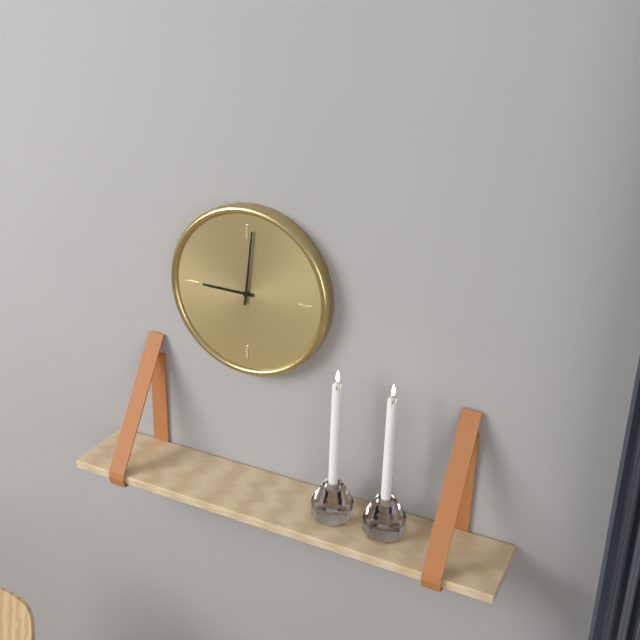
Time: h=9 m=1
